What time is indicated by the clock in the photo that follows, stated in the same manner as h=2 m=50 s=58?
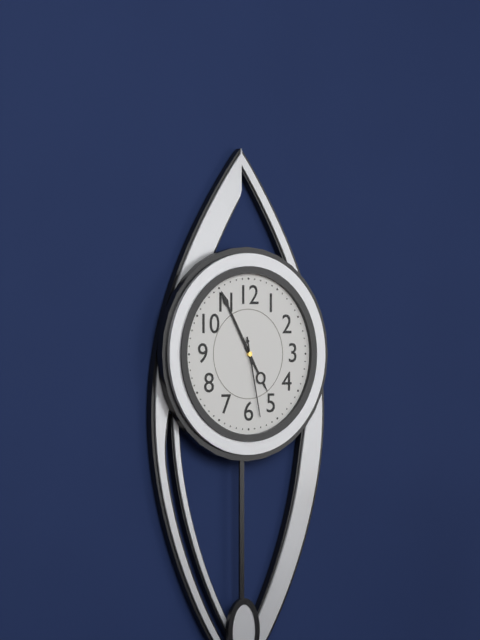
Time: h=4 m=55 s=28
